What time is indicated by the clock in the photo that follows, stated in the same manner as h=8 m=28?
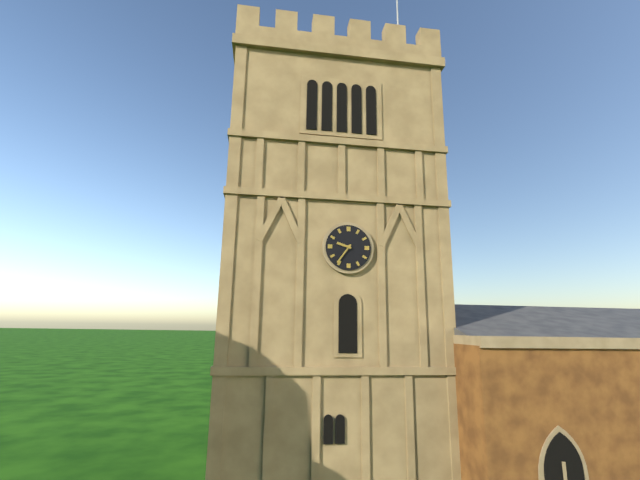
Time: h=9 m=36
